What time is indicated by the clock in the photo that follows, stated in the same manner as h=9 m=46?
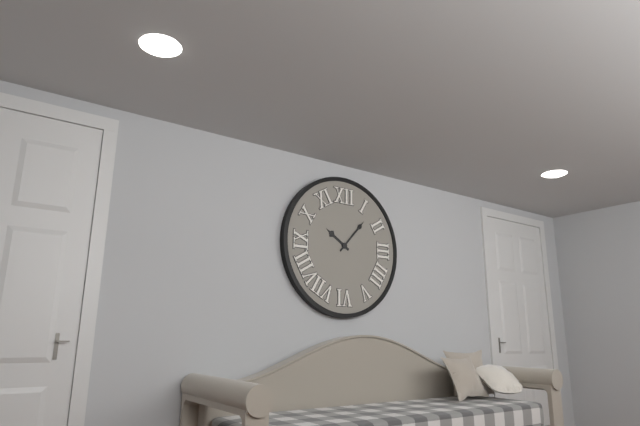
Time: h=10 m=7
